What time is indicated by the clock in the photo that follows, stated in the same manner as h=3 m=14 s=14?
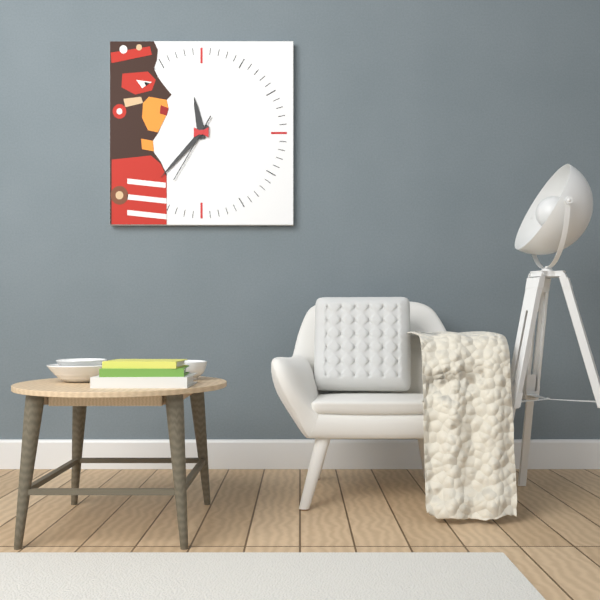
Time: h=11 m=37 s=35
